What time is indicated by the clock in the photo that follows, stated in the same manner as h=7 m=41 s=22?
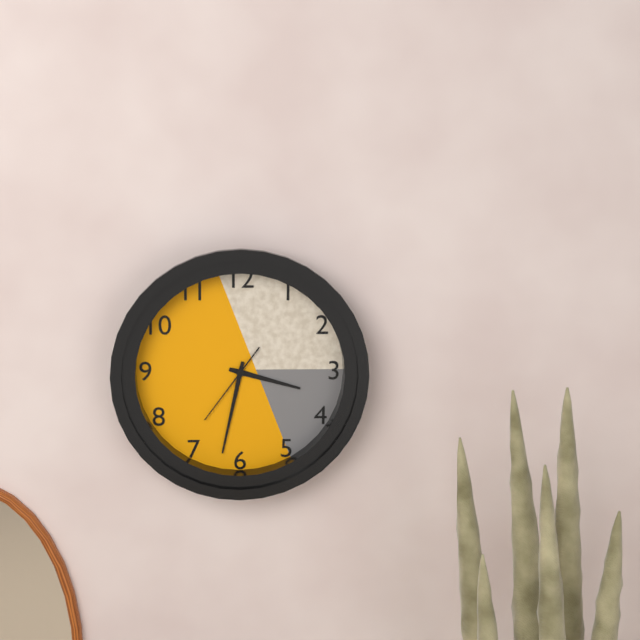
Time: h=3 m=32 s=36
